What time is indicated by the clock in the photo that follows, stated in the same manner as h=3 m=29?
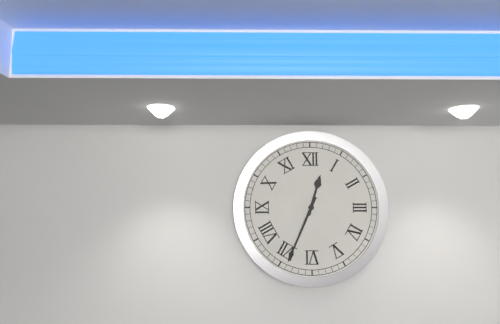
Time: h=12 m=34
